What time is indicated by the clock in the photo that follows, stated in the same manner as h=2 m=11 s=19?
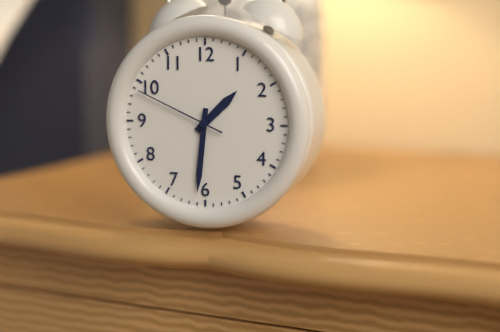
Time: h=1 m=31 s=49
